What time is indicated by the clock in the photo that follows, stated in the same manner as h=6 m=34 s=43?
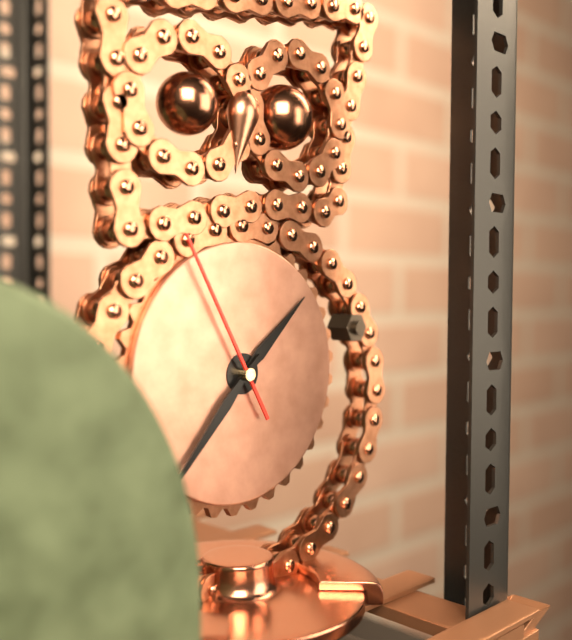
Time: h=1 m=37 s=55
